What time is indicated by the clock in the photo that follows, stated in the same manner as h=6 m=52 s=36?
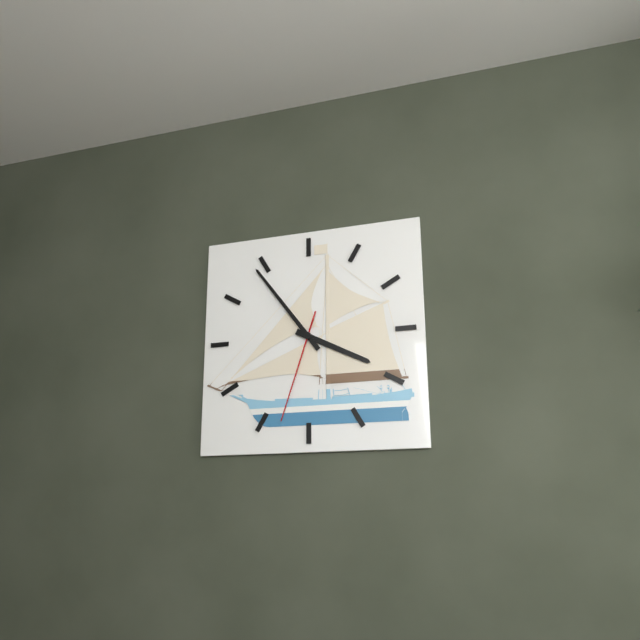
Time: h=3 m=54 s=33
